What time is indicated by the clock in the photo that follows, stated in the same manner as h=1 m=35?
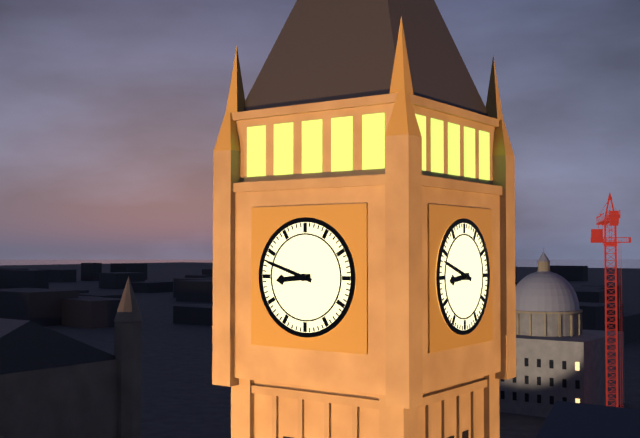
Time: h=8 m=48
